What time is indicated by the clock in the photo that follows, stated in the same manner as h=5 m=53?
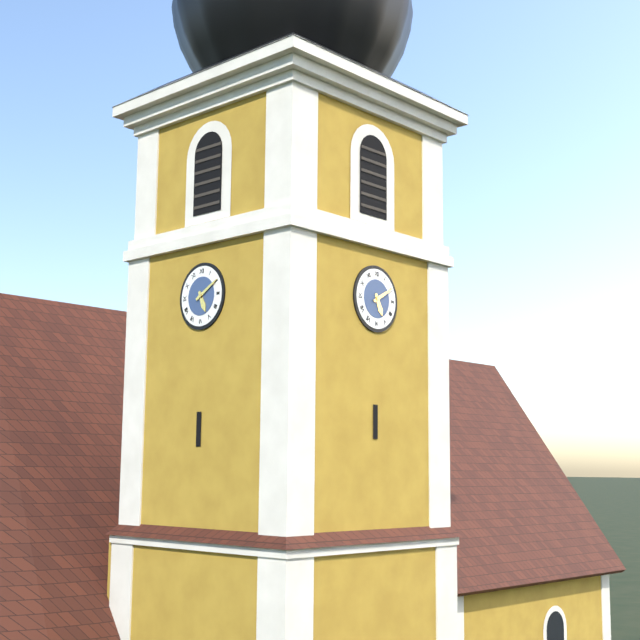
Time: h=5 m=10
